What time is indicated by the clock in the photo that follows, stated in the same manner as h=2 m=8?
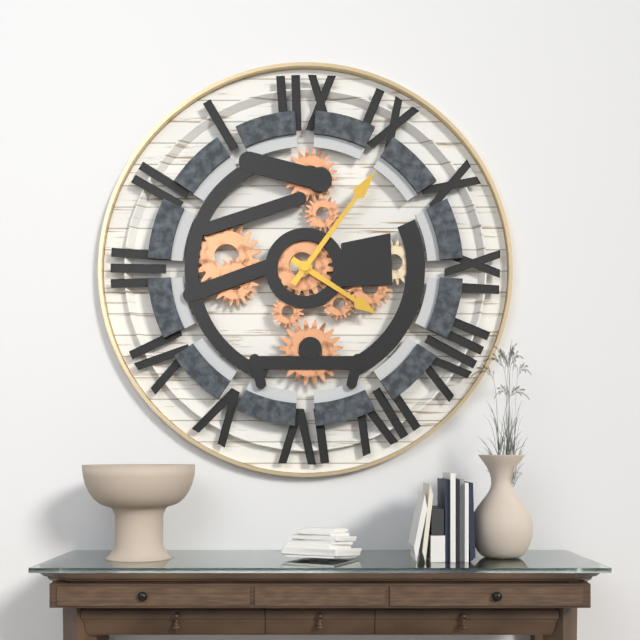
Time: h=4 m=6
